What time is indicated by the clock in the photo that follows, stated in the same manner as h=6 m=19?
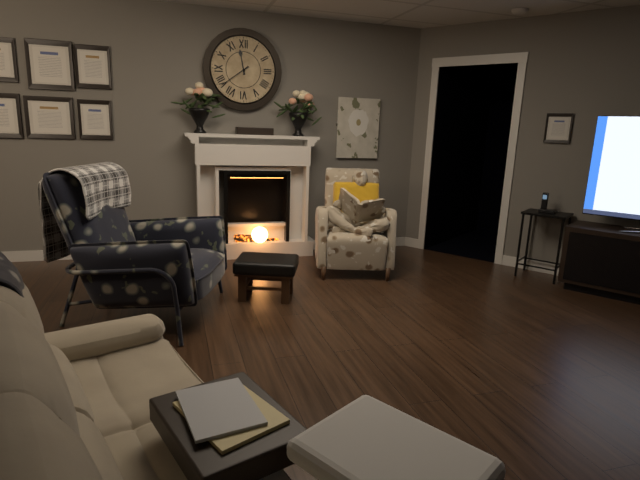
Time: h=11 m=39
